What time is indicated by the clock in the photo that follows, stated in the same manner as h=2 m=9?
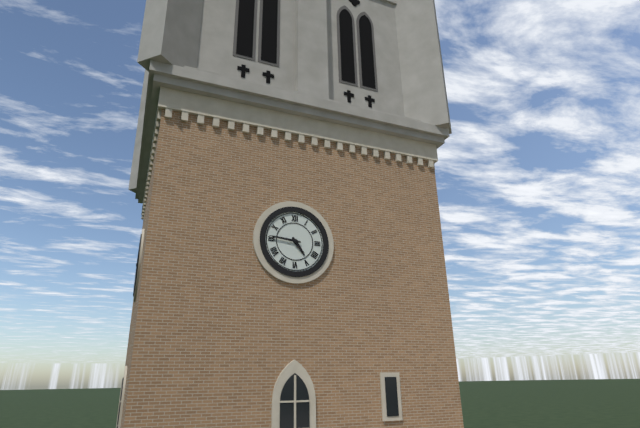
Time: h=4 m=46
